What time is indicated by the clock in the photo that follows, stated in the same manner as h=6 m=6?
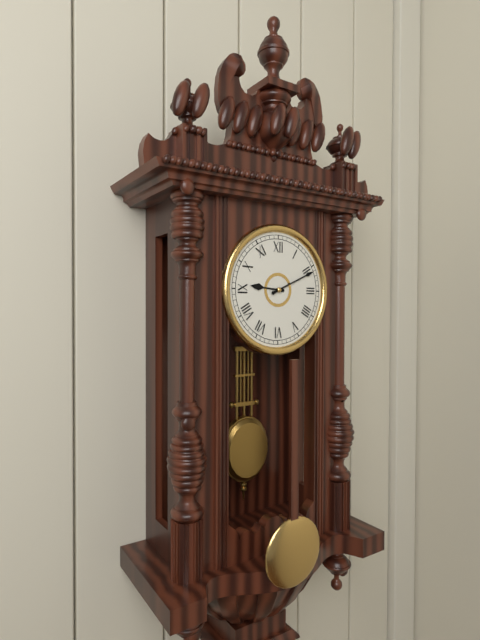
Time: h=9 m=11
